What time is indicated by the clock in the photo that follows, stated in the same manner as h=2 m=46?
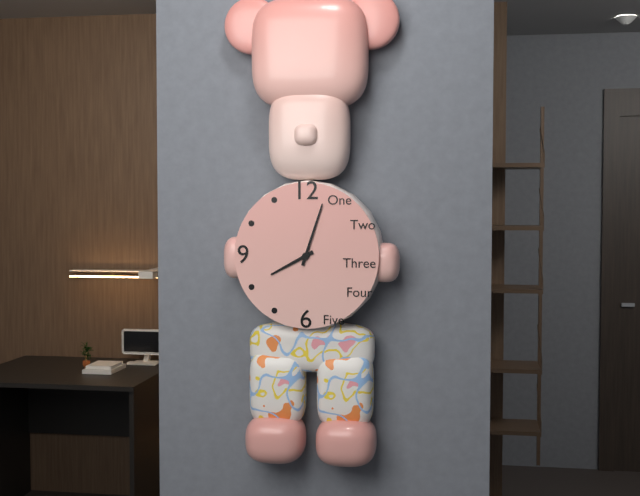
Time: h=8 m=3
